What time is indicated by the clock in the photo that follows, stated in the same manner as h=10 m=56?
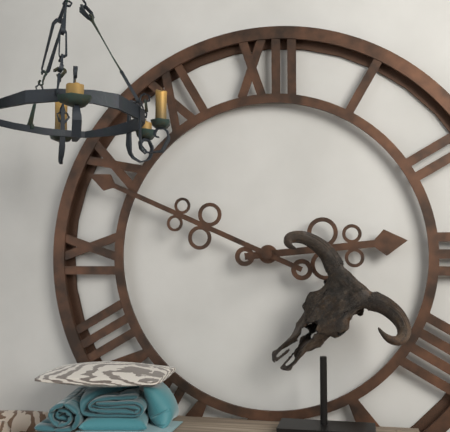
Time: h=2 m=49
